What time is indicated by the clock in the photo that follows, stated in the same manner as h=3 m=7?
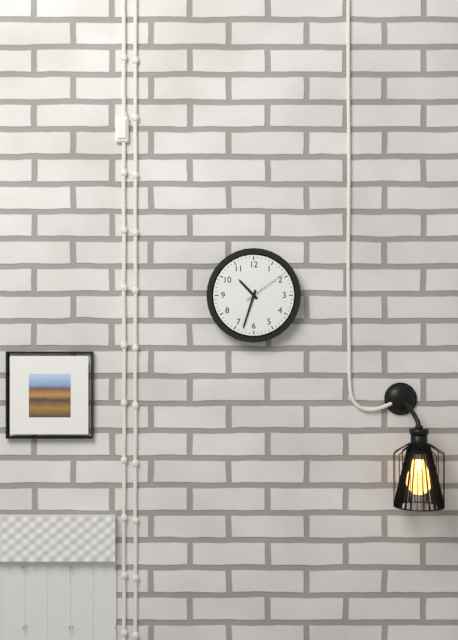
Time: h=10 m=33
